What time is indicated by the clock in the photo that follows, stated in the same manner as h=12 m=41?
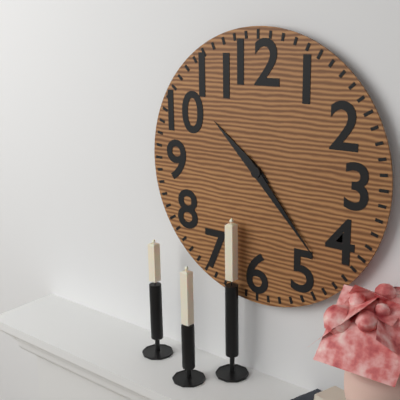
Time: h=10 m=23
